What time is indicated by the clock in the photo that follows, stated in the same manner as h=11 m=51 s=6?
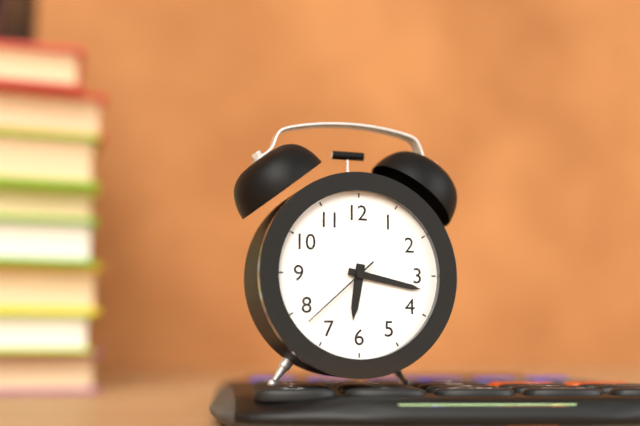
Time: h=6 m=17 s=38
